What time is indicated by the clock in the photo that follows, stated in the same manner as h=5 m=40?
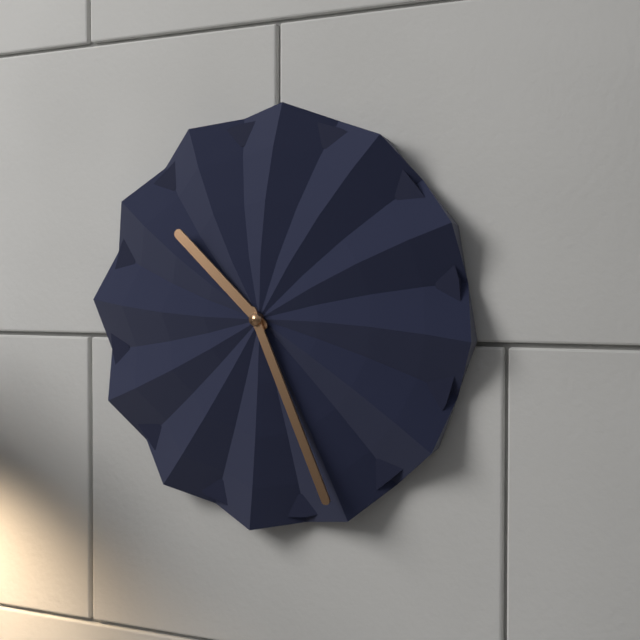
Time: h=10 m=26
